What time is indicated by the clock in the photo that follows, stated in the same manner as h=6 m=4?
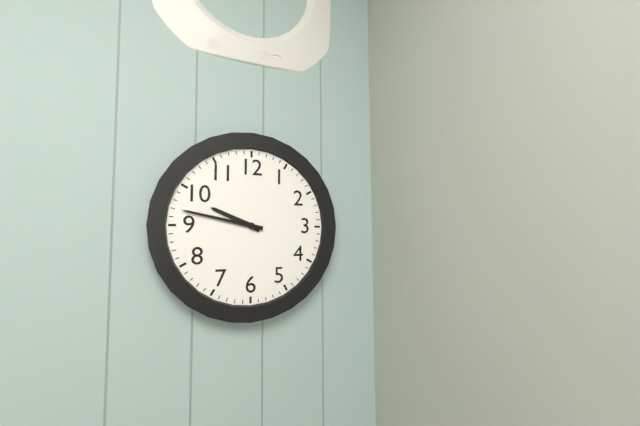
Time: h=9 m=47
